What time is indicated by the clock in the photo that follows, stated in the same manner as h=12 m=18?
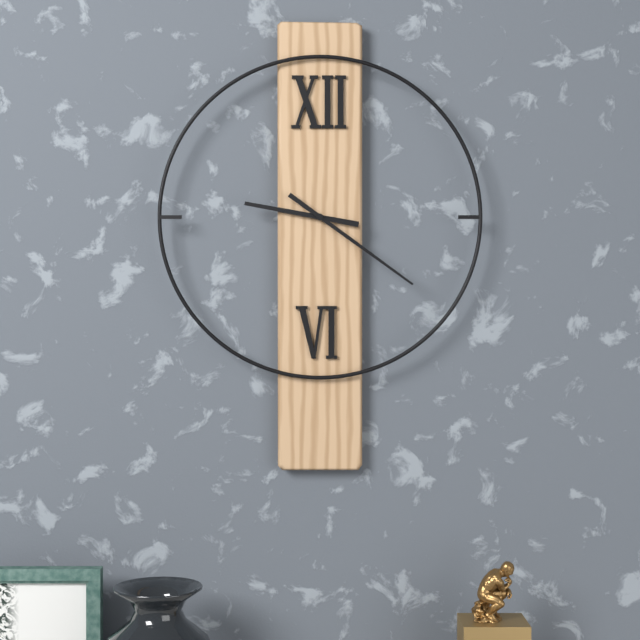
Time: h=9 m=21
